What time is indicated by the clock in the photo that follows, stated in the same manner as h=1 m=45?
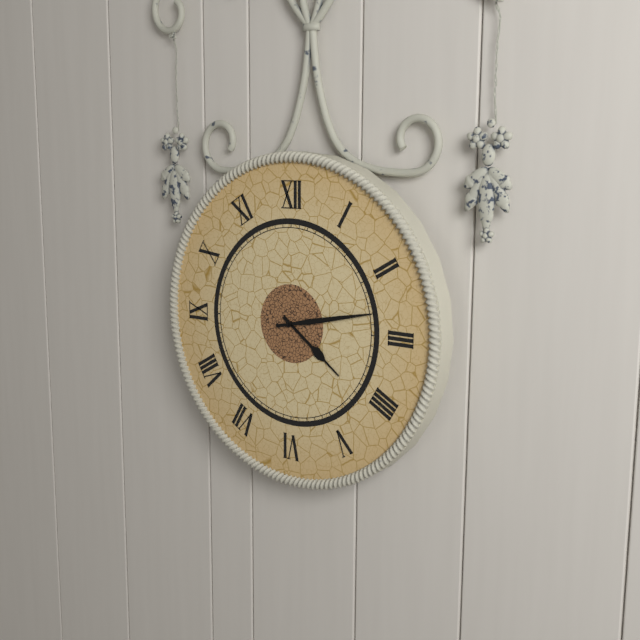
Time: h=4 m=13
